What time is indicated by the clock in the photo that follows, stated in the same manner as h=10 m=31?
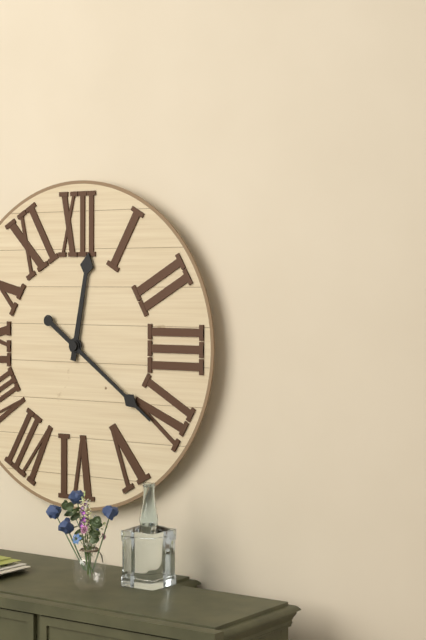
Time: h=12 m=21
